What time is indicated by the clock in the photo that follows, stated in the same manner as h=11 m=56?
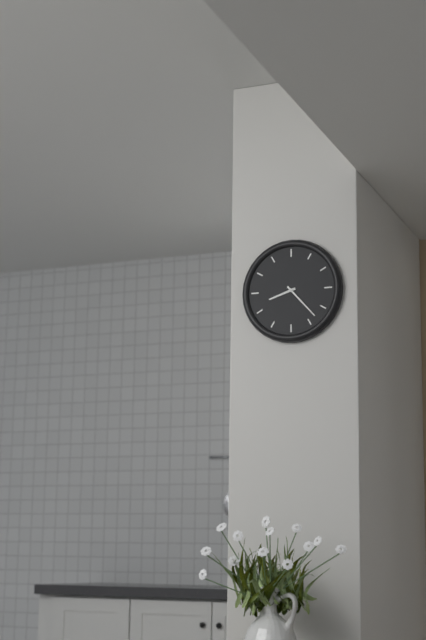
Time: h=8 m=23
